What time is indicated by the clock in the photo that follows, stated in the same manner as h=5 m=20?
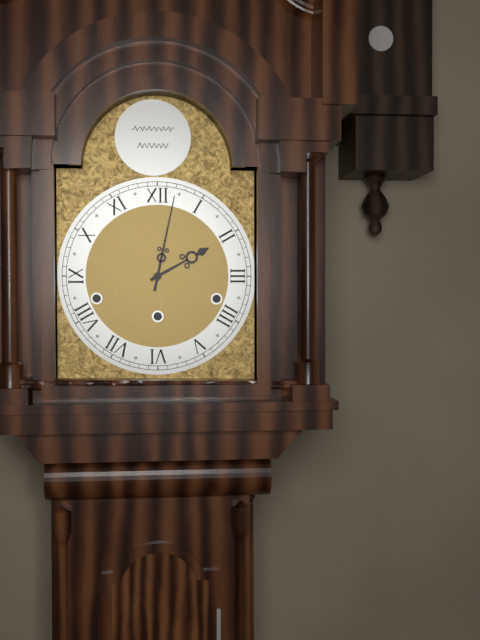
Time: h=2 m=2
